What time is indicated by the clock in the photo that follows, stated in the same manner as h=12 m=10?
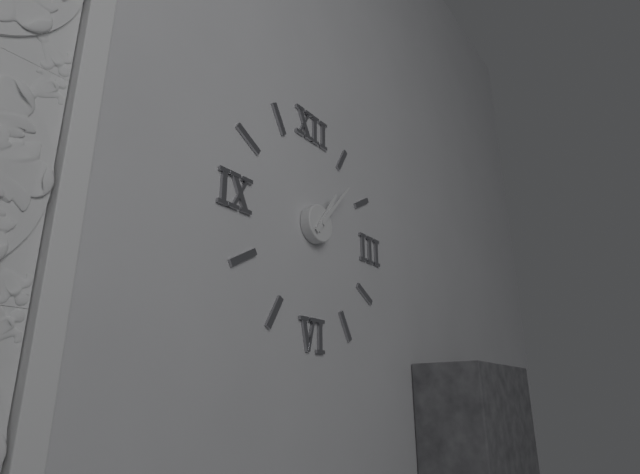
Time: h=1 m=7
